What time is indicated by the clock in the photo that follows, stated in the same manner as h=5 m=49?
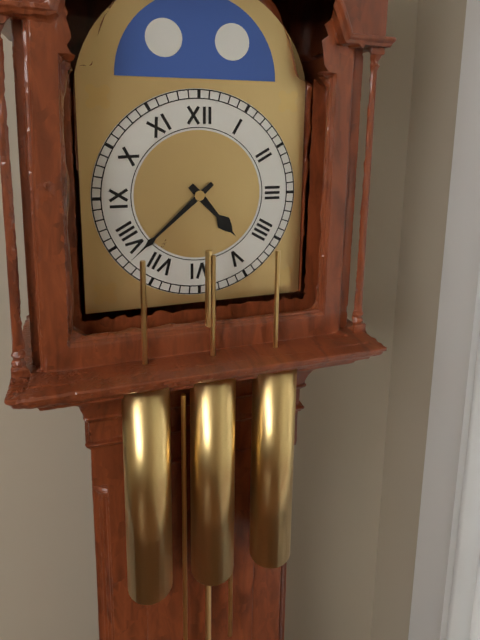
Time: h=4 m=38
